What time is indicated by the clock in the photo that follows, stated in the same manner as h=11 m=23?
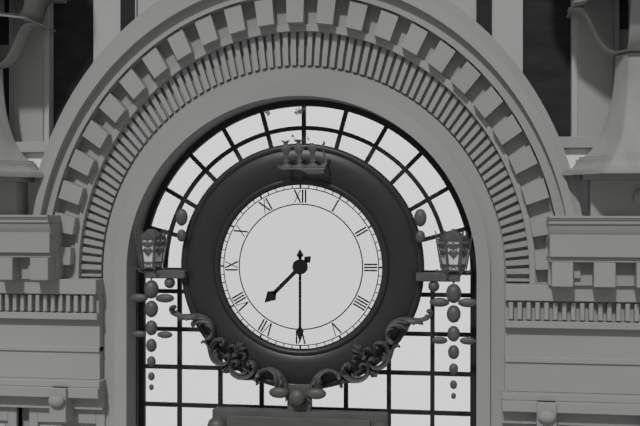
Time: h=7 m=30
